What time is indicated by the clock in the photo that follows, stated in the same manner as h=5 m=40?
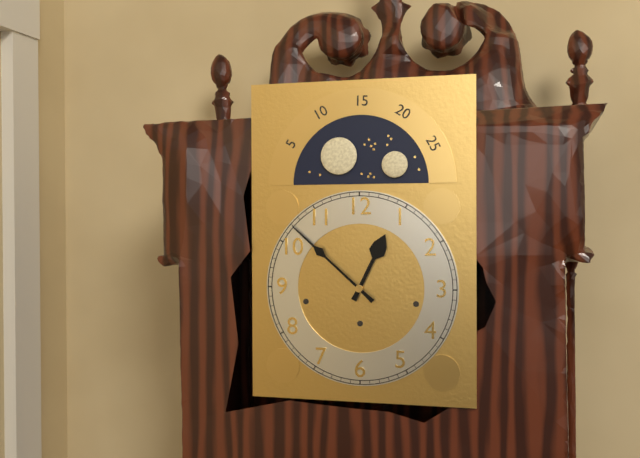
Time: h=12 m=52
